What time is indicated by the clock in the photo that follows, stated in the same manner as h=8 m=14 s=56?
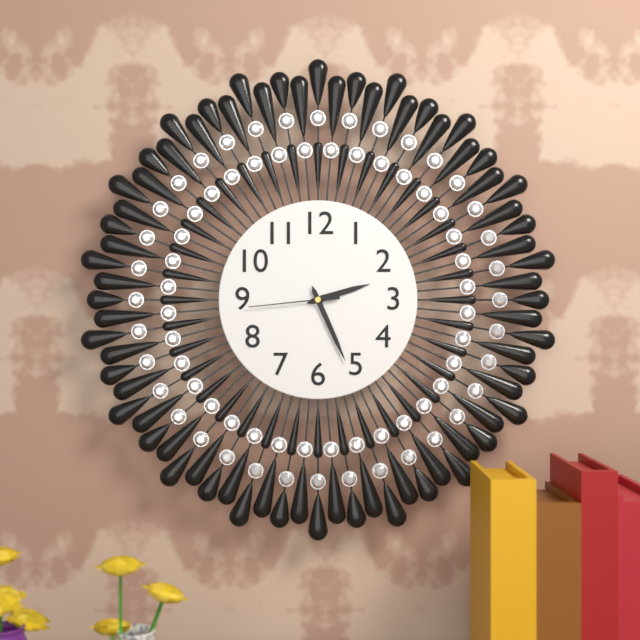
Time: h=2 m=26 s=44
